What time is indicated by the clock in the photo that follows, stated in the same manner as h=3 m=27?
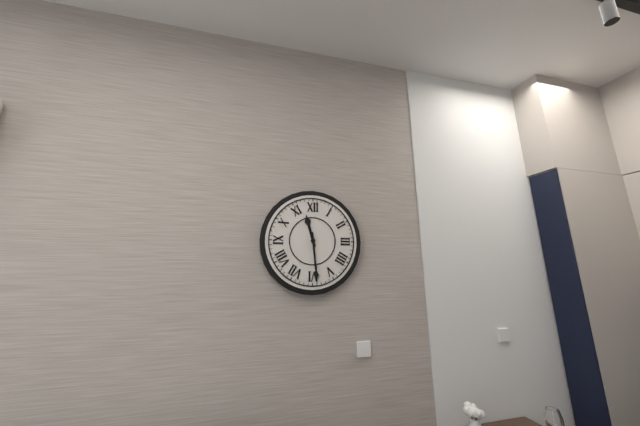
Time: h=11 m=29
